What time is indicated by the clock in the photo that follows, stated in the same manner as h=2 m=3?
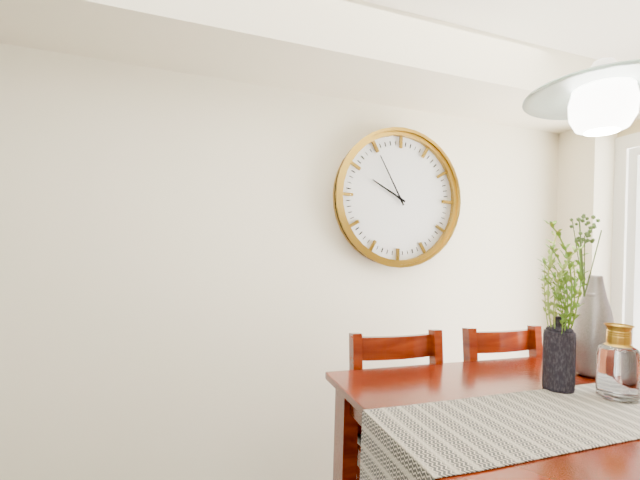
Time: h=9 m=55
